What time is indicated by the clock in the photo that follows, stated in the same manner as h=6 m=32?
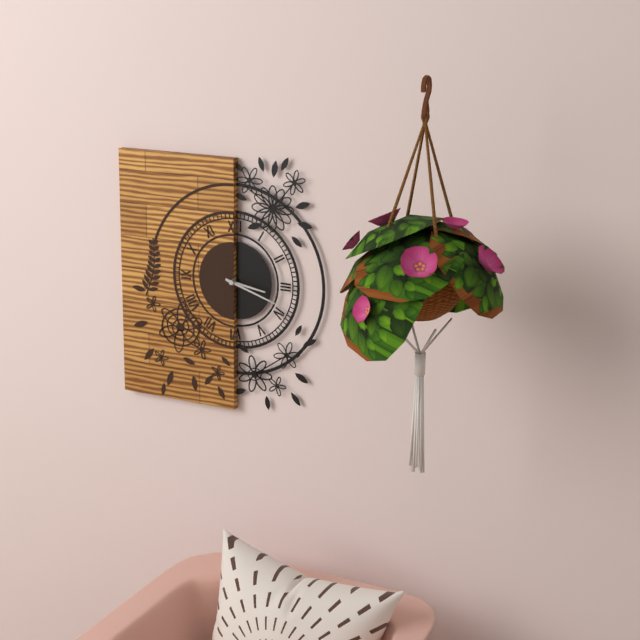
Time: h=3 m=18
